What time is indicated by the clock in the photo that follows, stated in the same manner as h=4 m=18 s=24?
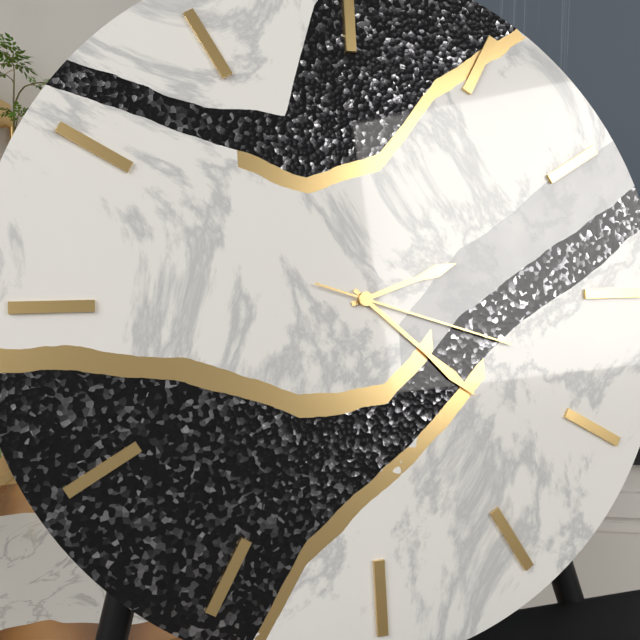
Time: h=2 m=22 s=18
